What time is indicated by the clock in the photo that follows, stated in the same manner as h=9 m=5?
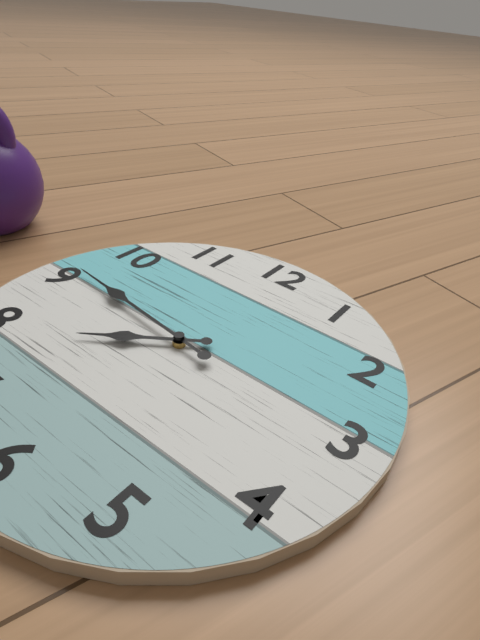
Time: h=7 m=46
